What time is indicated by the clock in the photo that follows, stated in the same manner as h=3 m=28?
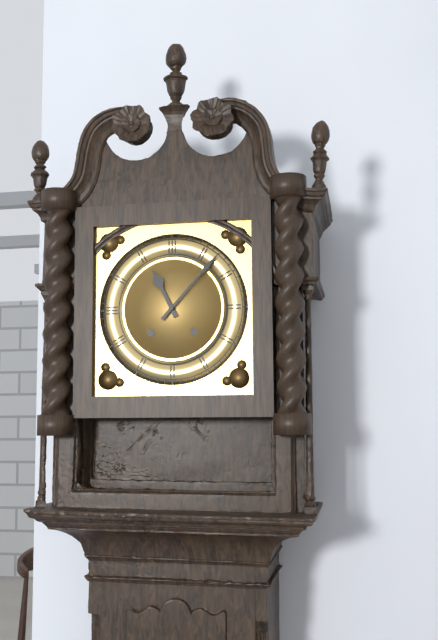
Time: h=11 m=7
